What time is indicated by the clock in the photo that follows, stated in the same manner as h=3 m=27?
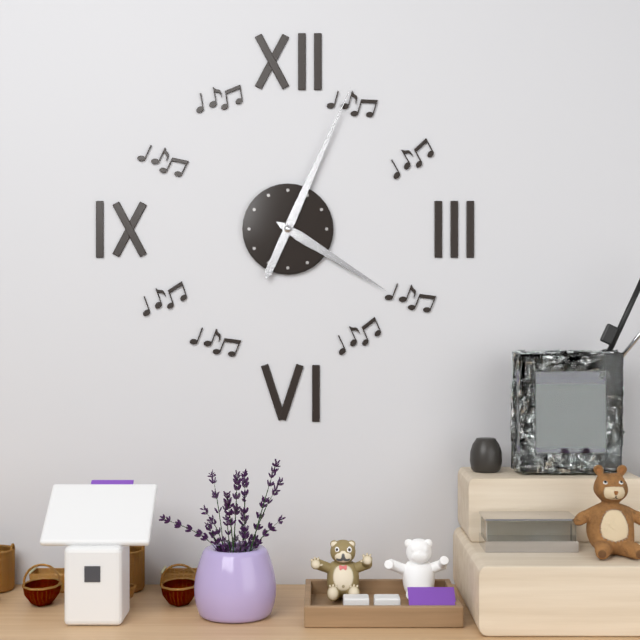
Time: h=4 m=4
